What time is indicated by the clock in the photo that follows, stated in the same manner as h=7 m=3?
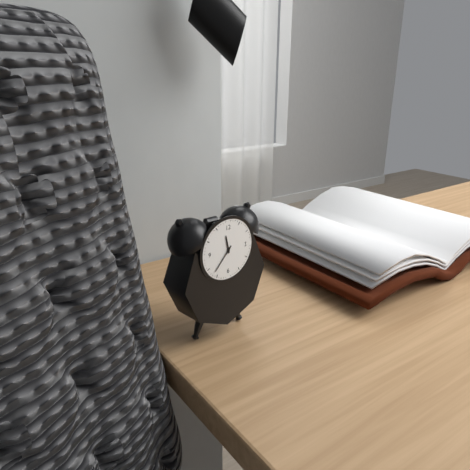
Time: h=11 m=37
